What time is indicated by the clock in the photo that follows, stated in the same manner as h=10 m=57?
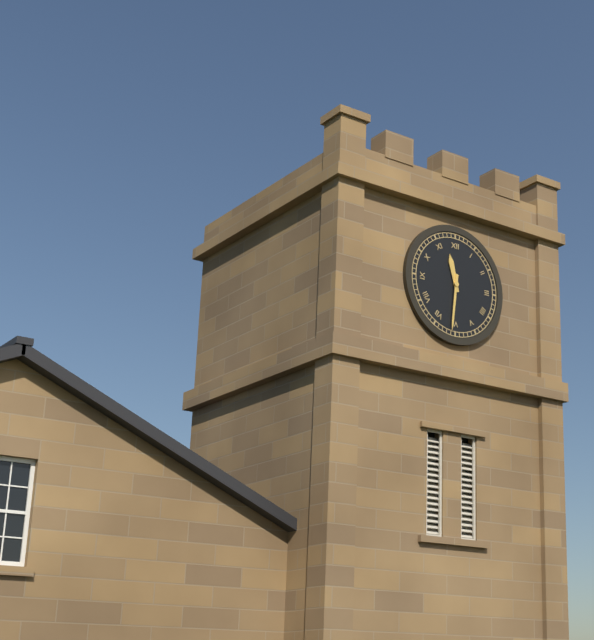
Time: h=11 m=31
